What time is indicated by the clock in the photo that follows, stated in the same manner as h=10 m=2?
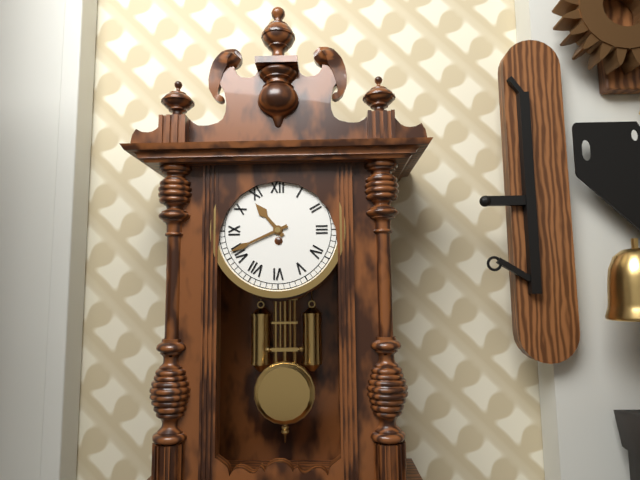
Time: h=10 m=41
